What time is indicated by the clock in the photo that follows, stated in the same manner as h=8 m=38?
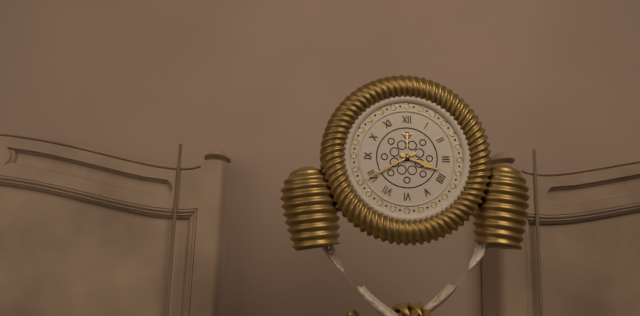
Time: h=3 m=40
